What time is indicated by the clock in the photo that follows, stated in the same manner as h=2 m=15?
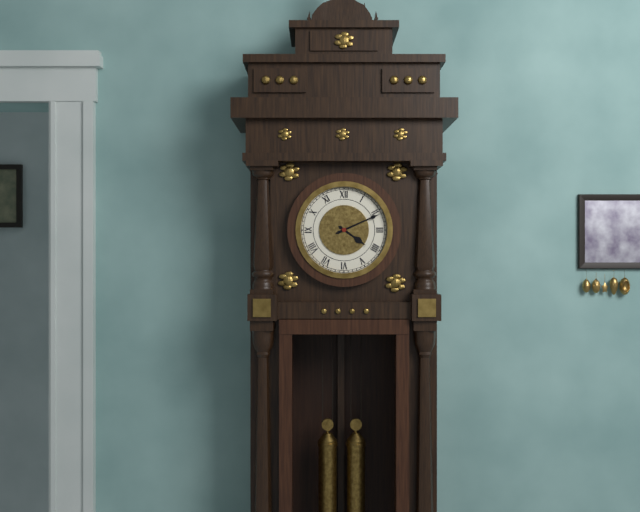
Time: h=4 m=11
